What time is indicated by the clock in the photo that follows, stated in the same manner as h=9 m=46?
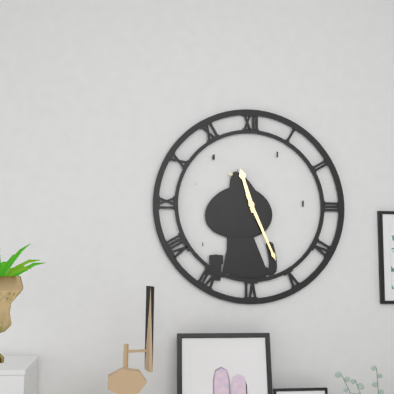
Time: h=11 m=26
